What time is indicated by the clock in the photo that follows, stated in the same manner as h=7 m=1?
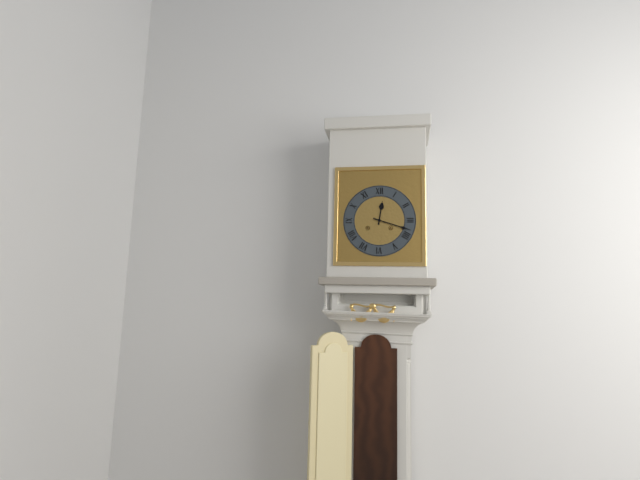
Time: h=12 m=18
